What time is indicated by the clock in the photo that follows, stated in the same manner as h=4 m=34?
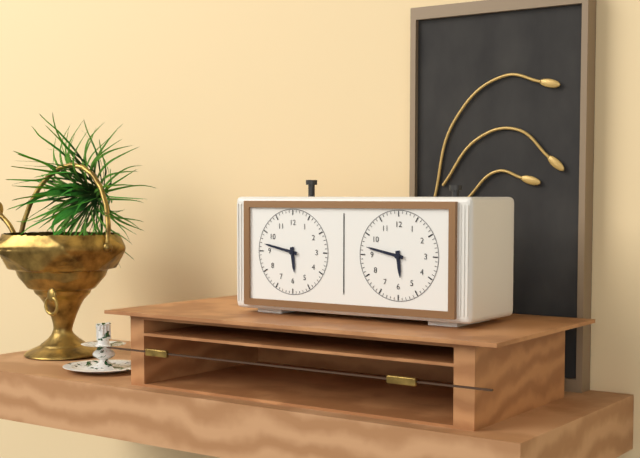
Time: h=5 m=47
